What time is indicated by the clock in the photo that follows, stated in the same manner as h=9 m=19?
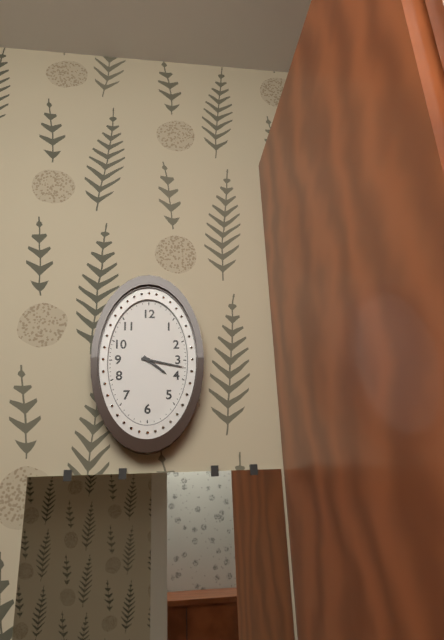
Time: h=4 m=17
